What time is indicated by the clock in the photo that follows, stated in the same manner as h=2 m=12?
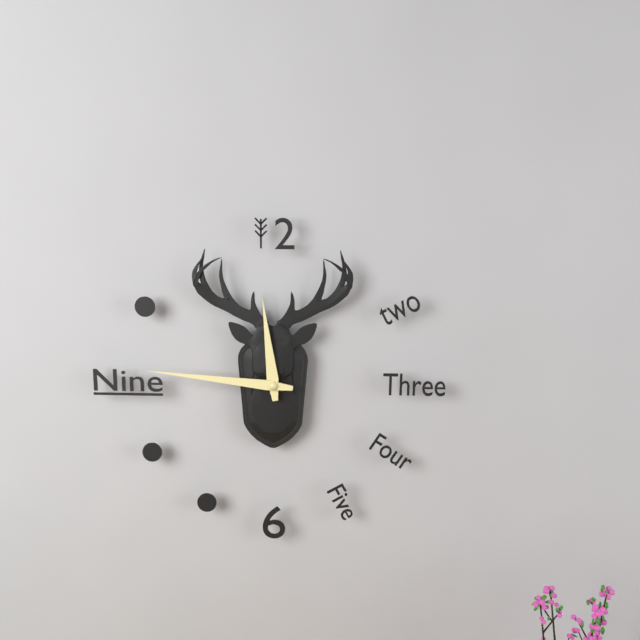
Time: h=11 m=46
